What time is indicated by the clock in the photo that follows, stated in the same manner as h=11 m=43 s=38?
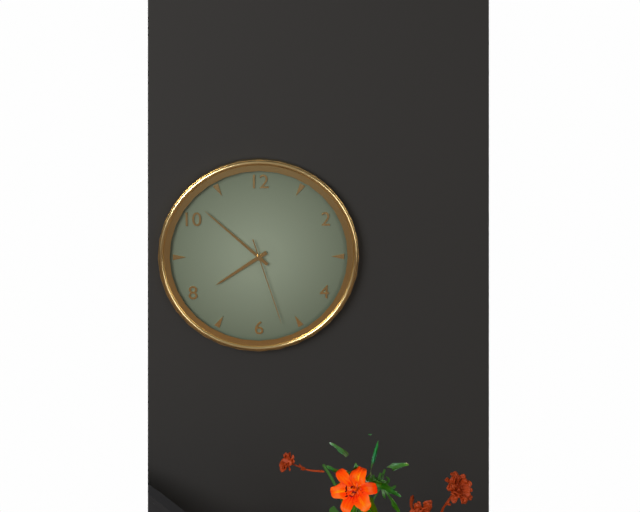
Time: h=7 m=52 s=27
